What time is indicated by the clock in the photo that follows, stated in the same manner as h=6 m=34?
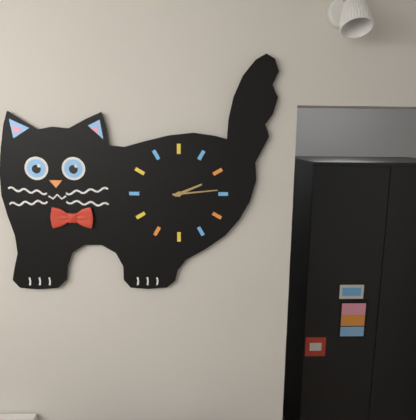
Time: h=2 m=14
